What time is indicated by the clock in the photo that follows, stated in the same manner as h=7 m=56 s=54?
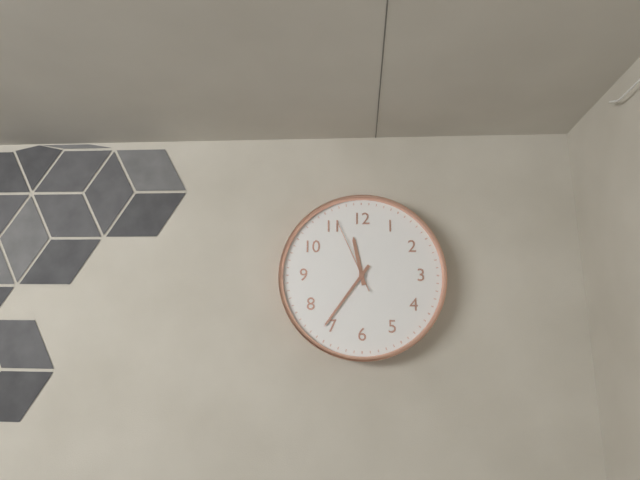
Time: h=11 m=36 s=56
